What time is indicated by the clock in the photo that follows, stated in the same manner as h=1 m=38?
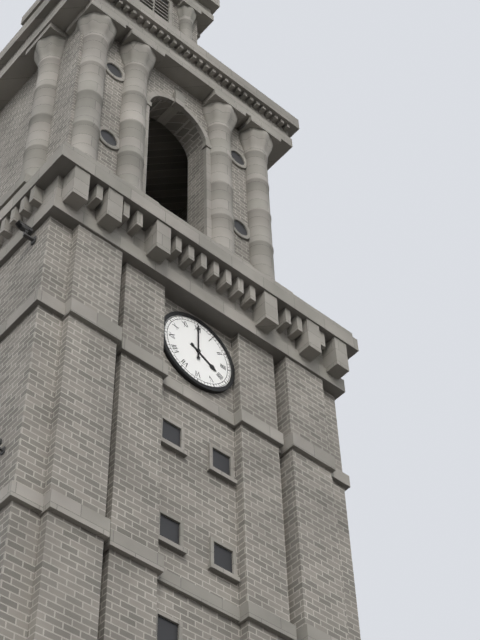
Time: h=4 m=0
